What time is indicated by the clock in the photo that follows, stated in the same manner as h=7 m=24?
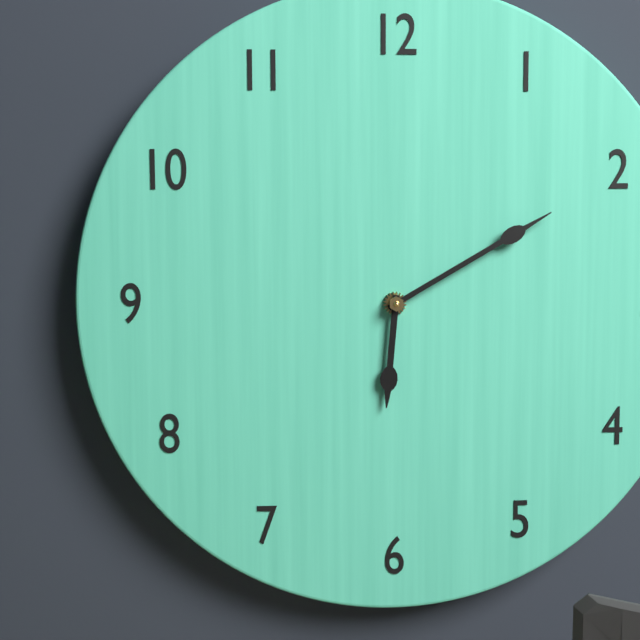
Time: h=6 m=10
